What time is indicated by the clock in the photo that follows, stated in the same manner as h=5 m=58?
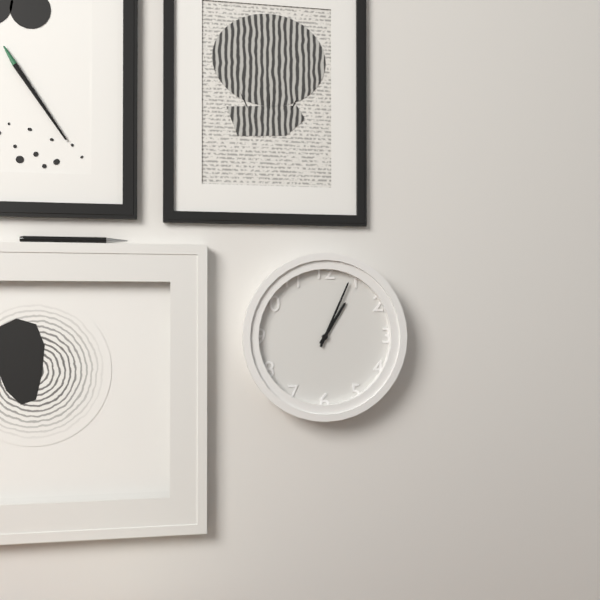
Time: h=1 m=4
